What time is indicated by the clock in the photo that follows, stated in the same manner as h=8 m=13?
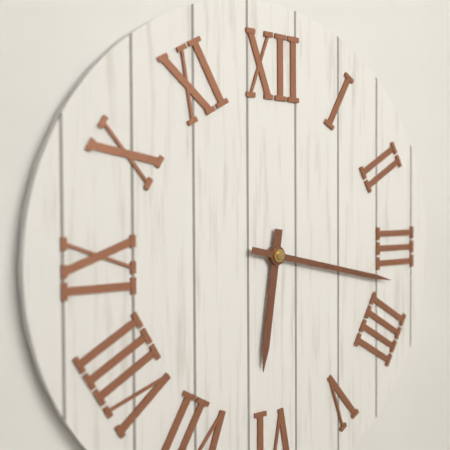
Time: h=6 m=17
